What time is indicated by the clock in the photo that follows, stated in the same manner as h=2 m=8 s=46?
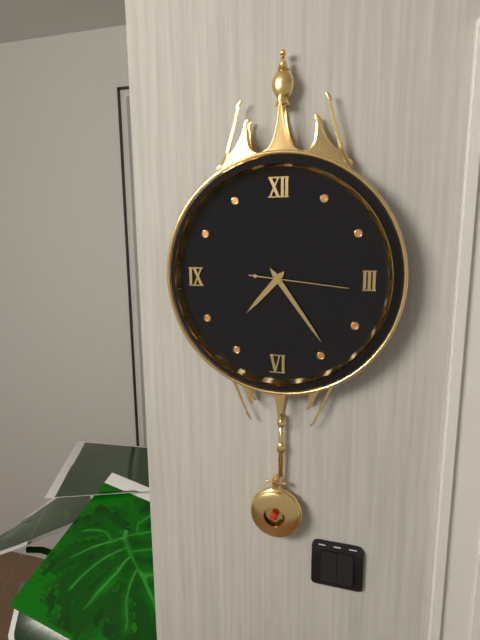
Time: h=7 m=24 s=16
